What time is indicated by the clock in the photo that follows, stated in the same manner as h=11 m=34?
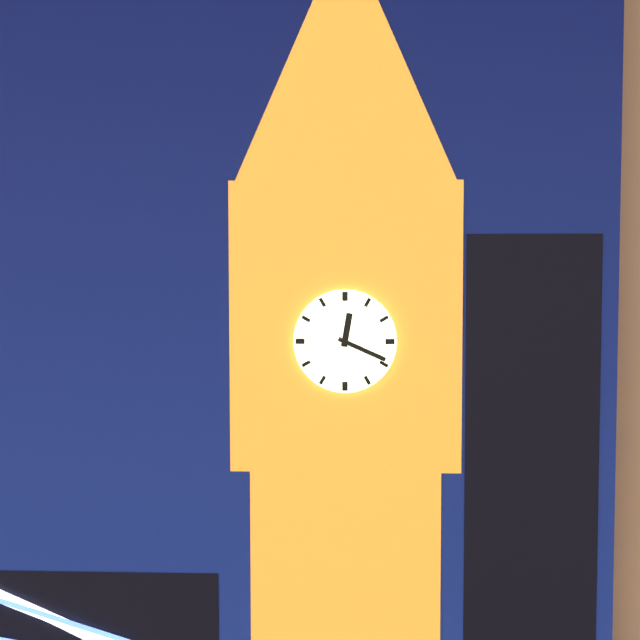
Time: h=12 m=19
